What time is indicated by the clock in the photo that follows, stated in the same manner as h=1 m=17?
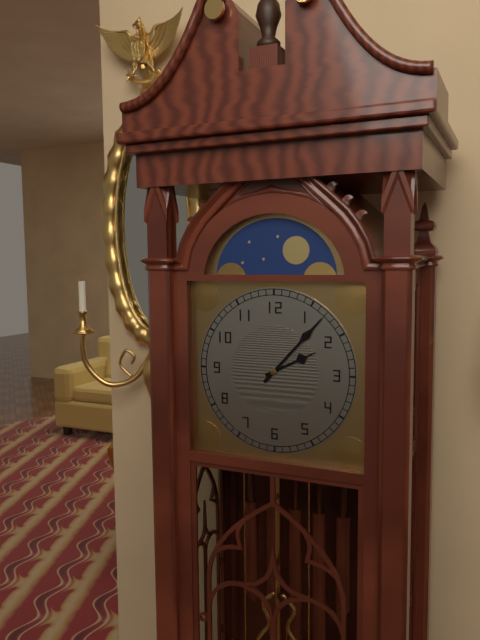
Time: h=2 m=7
